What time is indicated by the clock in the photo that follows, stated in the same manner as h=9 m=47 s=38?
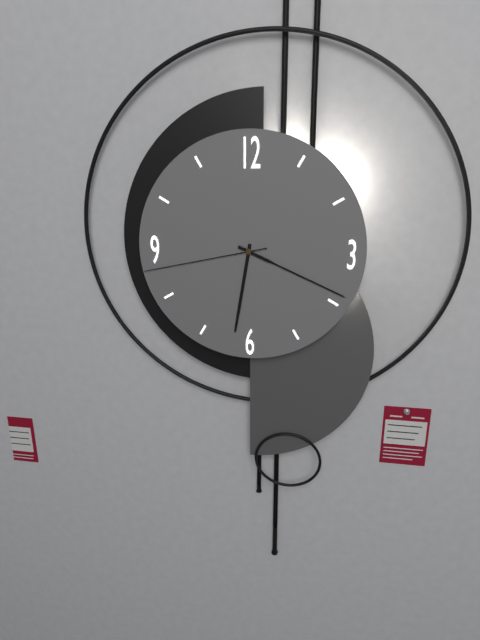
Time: h=6 m=19 s=43
